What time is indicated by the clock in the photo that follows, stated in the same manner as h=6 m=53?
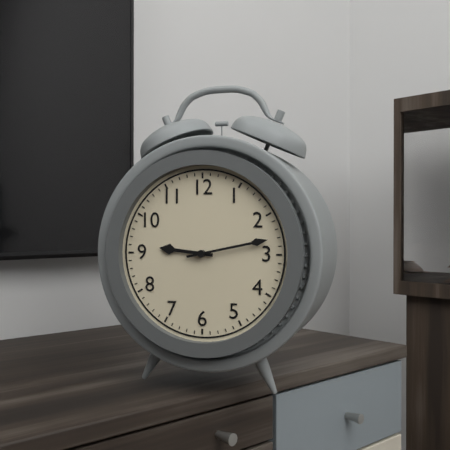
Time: h=9 m=13
